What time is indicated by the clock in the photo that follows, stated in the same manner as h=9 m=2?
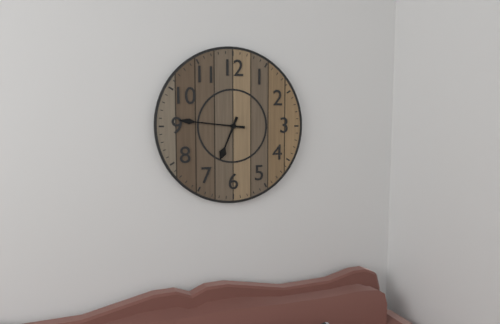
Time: h=6 m=46
